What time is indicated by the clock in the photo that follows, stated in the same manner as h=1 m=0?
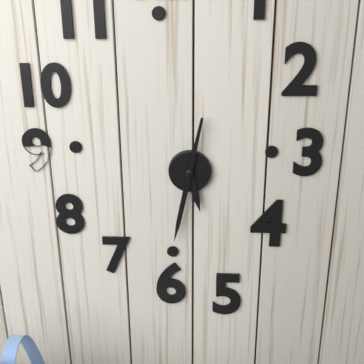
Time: h=5 m=32
